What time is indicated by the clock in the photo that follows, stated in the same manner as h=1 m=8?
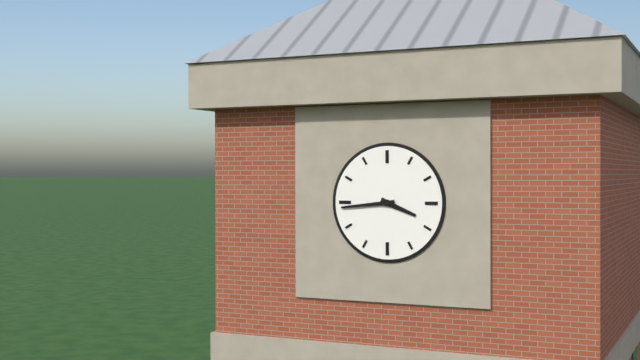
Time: h=3 m=44
